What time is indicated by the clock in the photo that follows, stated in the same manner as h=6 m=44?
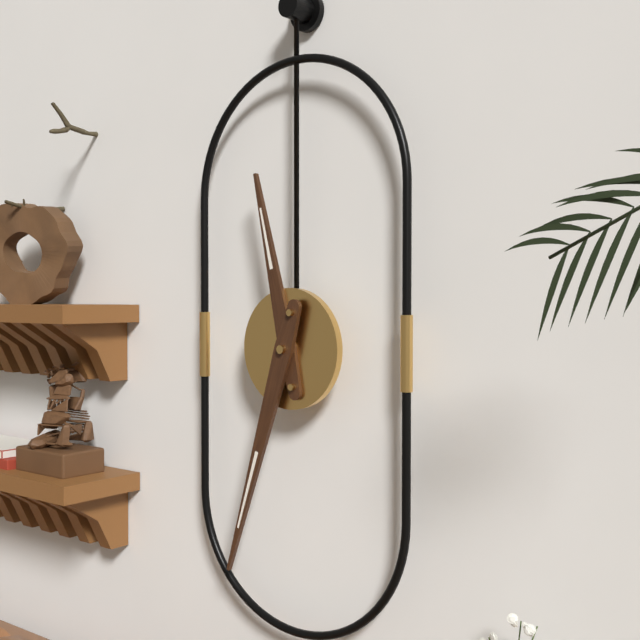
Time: h=11 m=33
